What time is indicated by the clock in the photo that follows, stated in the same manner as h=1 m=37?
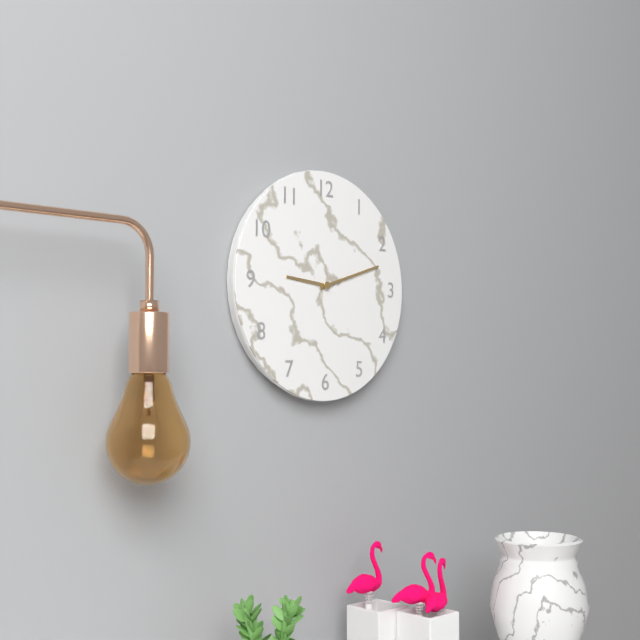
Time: h=9 m=12
